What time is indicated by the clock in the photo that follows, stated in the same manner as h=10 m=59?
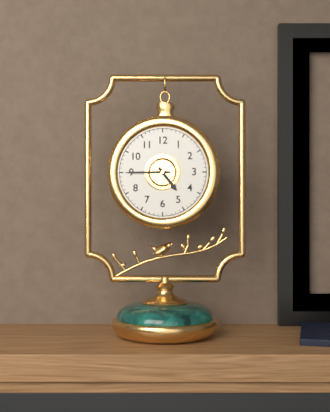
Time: h=4 m=45
